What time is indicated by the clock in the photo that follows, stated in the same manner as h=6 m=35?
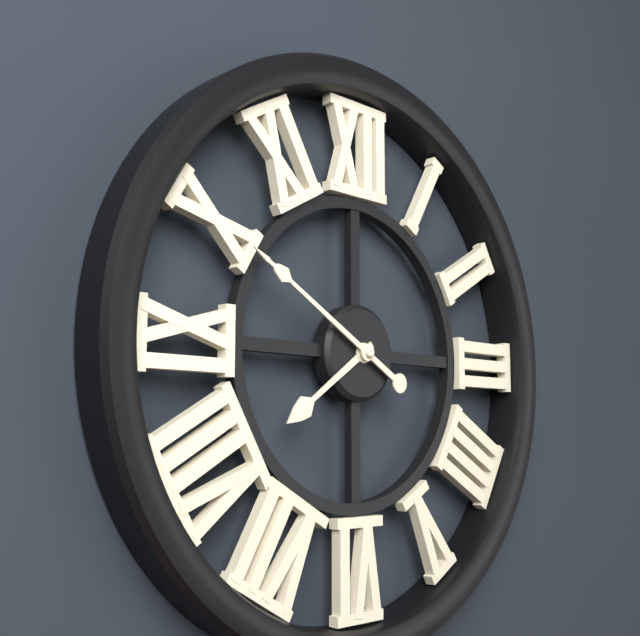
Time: h=7 m=50
